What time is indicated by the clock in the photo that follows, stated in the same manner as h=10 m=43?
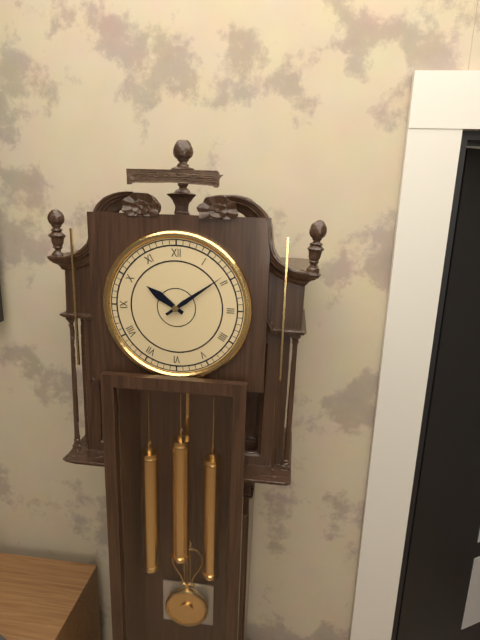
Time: h=10 m=9
